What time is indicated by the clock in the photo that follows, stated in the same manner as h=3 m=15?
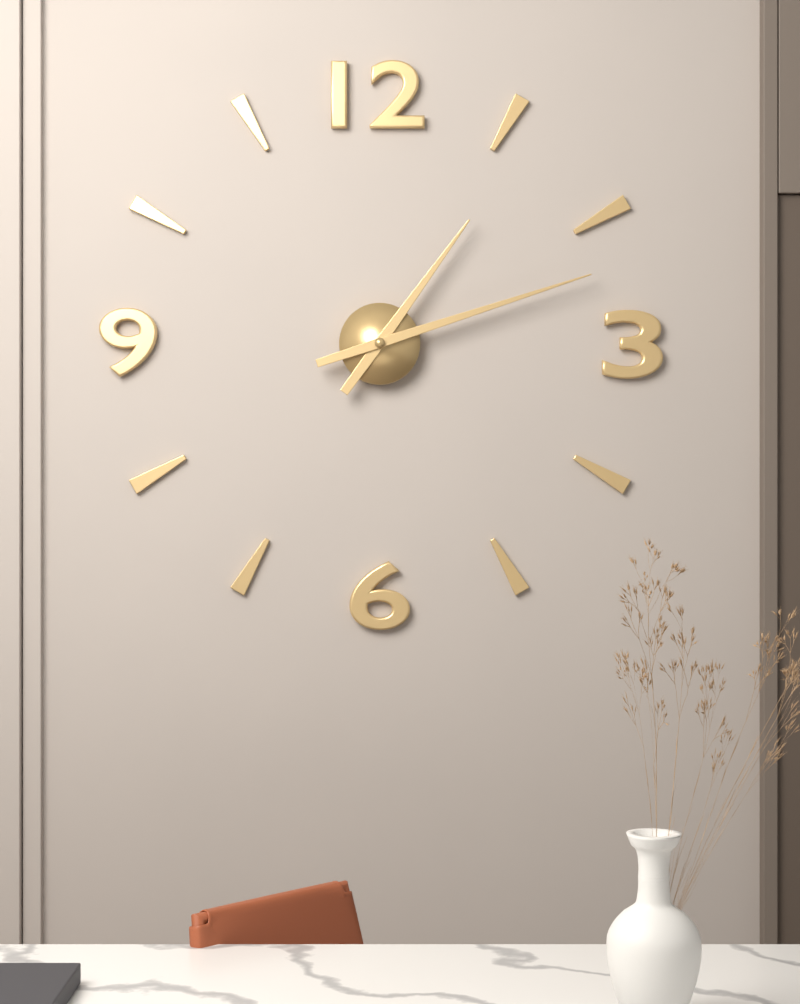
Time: h=1 m=12
